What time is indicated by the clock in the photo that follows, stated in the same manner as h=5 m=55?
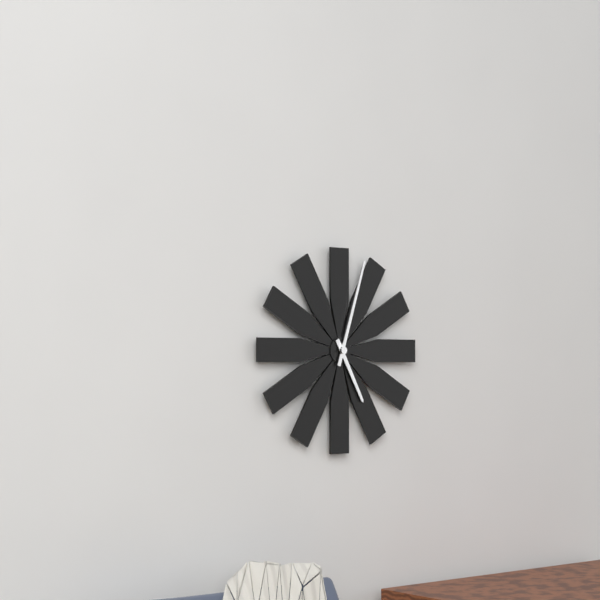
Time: h=5 m=3
